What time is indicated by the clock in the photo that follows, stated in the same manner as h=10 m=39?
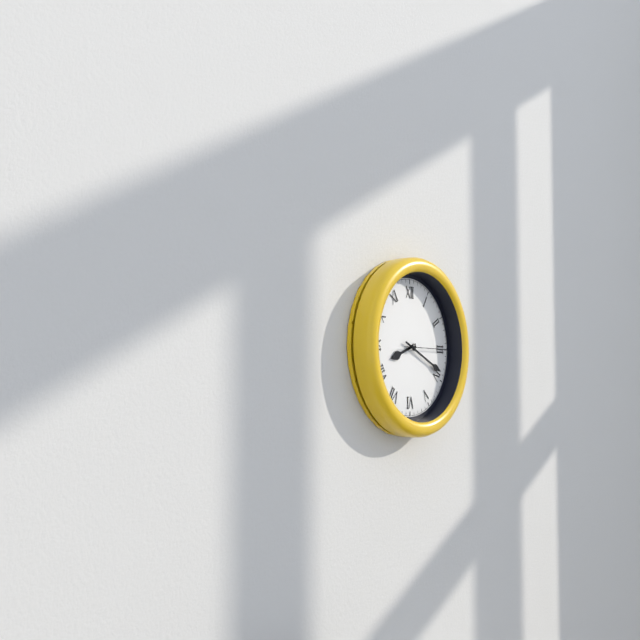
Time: h=8 m=19
